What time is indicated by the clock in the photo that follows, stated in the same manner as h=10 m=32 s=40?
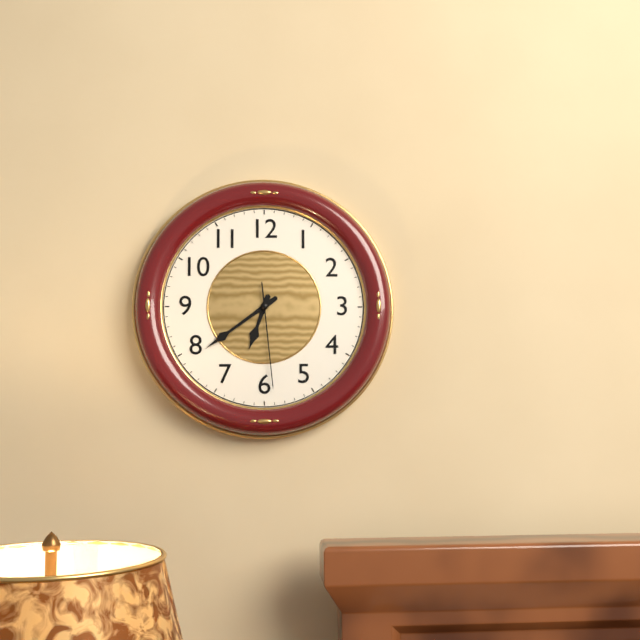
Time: h=6 m=39 s=29
